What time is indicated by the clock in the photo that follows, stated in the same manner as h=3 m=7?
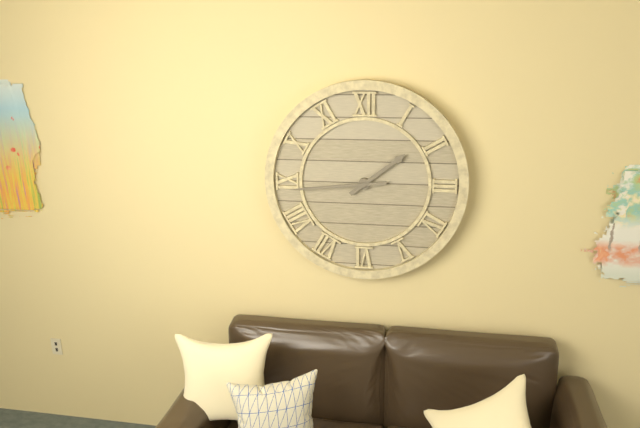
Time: h=1 m=44
